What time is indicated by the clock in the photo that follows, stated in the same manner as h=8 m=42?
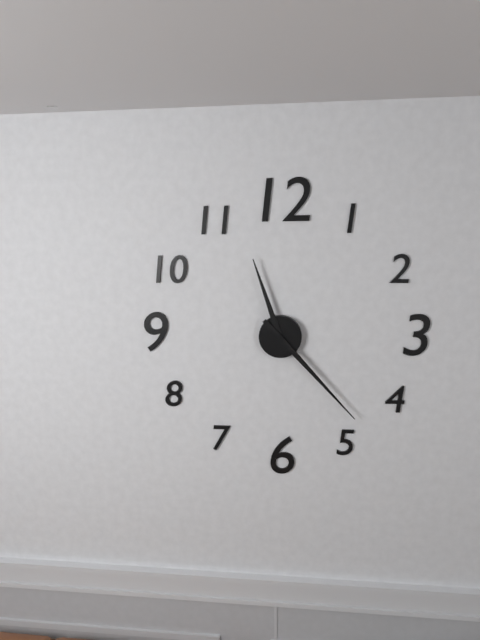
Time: h=11 m=23
